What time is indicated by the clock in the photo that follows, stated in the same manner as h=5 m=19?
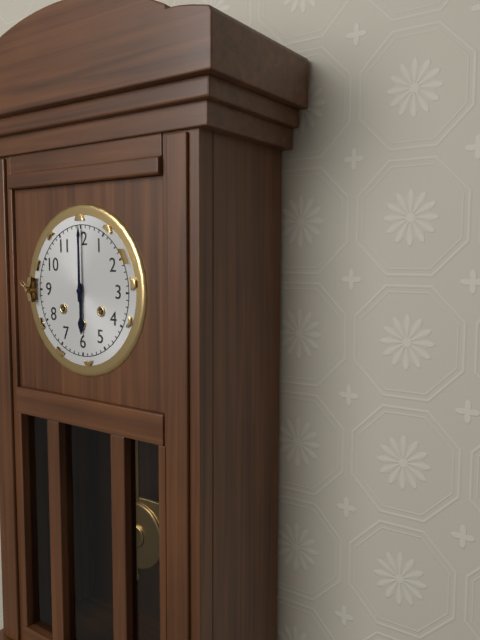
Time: h=6 m=0
